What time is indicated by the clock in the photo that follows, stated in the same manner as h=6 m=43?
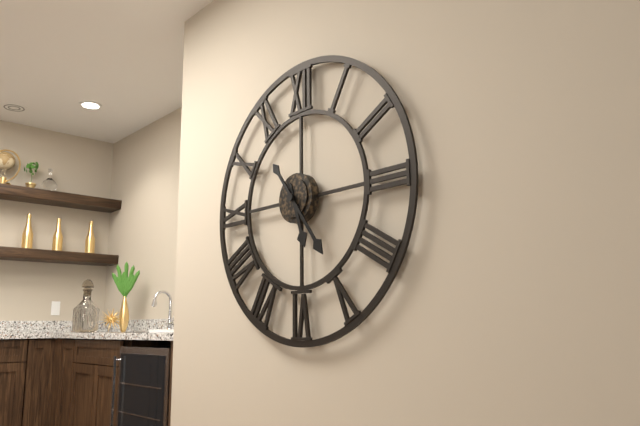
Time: h=5 m=24
